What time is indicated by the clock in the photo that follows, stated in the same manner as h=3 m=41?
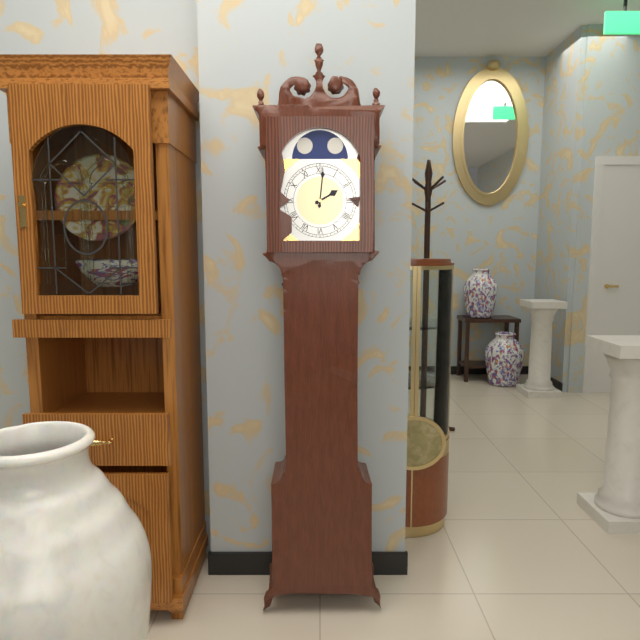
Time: h=2 m=1
